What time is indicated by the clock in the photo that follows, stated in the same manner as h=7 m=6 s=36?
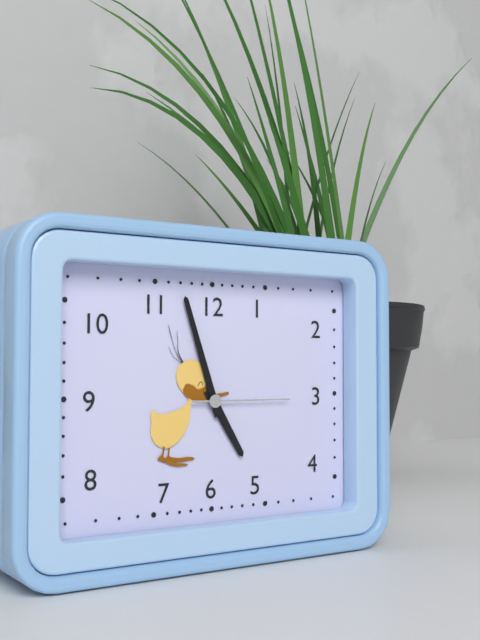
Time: h=4 m=57 s=15
